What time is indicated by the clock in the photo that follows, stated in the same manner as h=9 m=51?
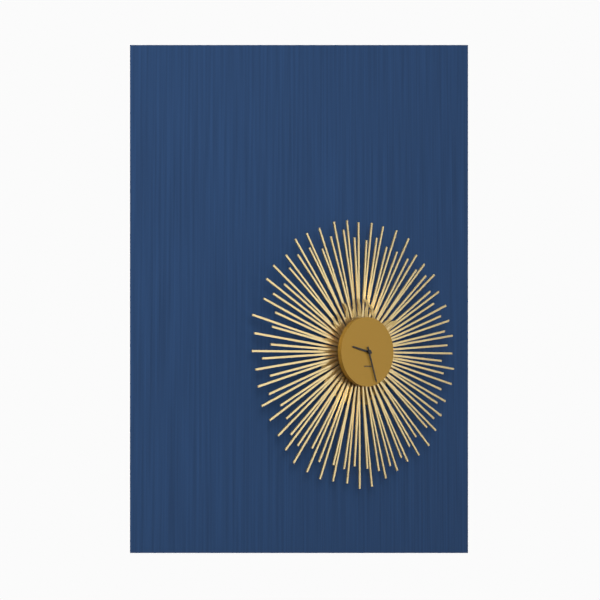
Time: h=9 m=27
